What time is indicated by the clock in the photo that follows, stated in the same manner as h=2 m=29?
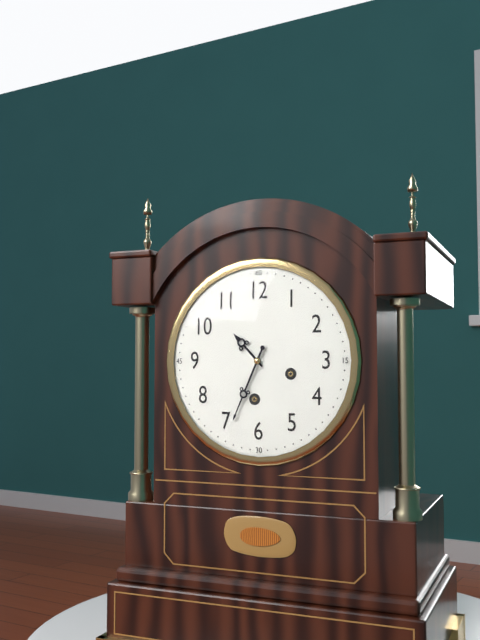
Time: h=10 m=34
